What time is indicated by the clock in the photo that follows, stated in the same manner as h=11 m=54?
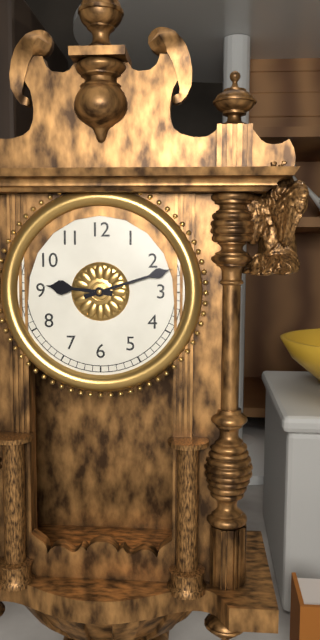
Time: h=9 m=12
